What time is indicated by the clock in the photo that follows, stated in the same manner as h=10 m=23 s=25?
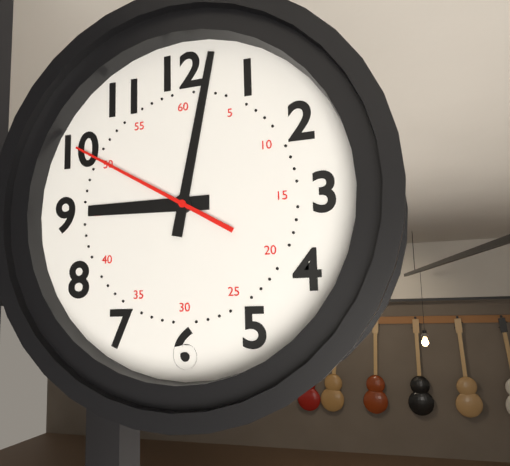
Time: h=9 m=2 s=50
